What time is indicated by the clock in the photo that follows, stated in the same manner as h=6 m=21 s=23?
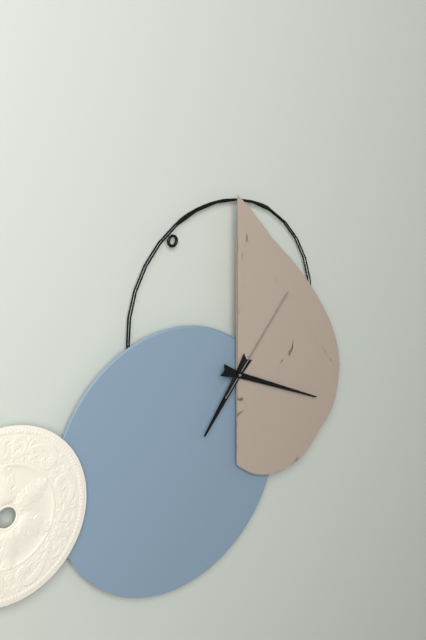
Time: h=7 m=19 s=7
